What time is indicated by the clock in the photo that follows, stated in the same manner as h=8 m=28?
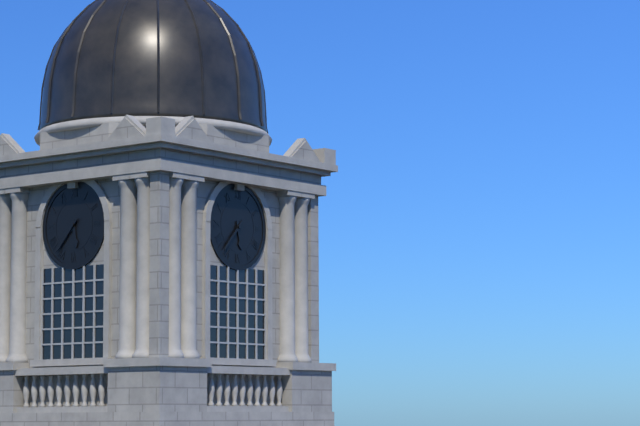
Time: h=5 m=37
